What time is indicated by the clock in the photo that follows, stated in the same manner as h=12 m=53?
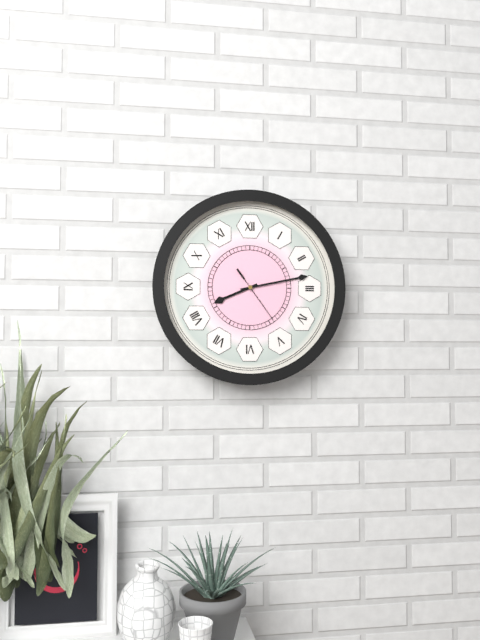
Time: h=8 m=13
